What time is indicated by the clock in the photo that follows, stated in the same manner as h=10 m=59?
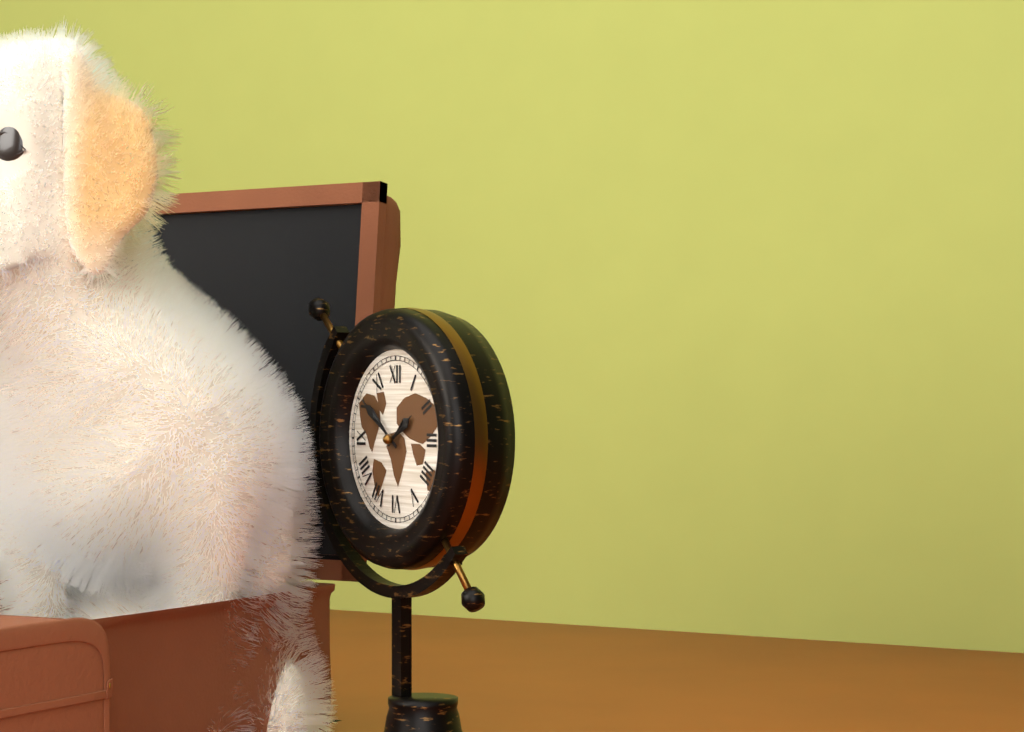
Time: h=1 m=51
